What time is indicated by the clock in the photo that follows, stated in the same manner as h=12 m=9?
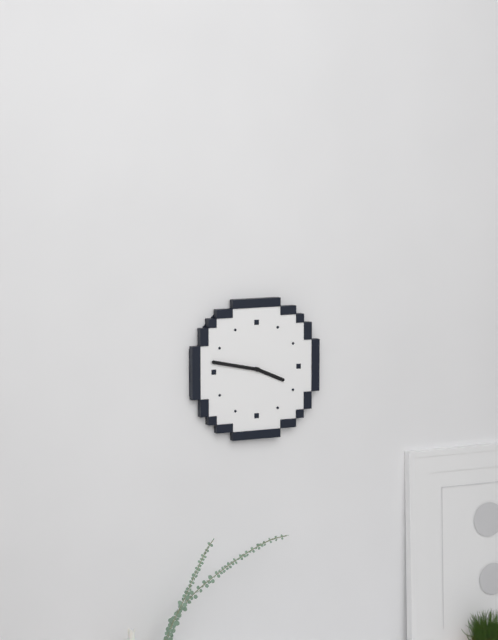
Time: h=3 m=47
